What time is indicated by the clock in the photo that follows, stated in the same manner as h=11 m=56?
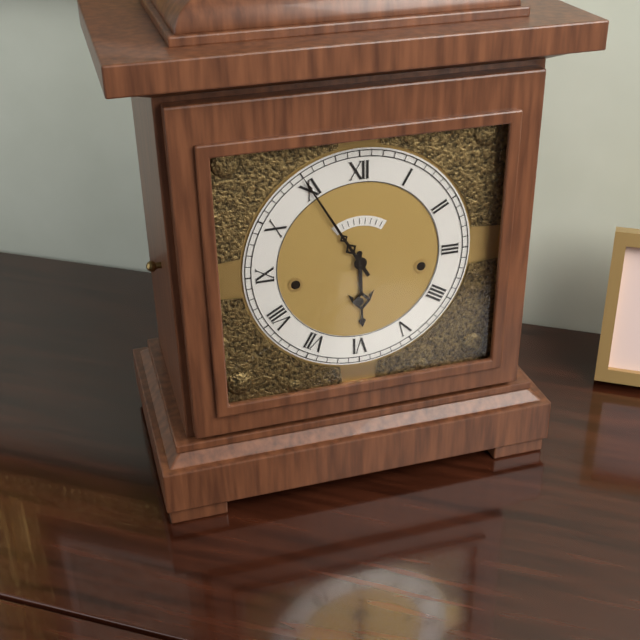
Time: h=5 m=55
